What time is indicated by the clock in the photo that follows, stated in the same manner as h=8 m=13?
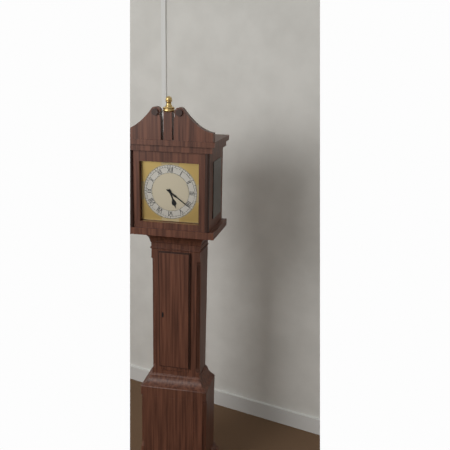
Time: h=5 m=21
